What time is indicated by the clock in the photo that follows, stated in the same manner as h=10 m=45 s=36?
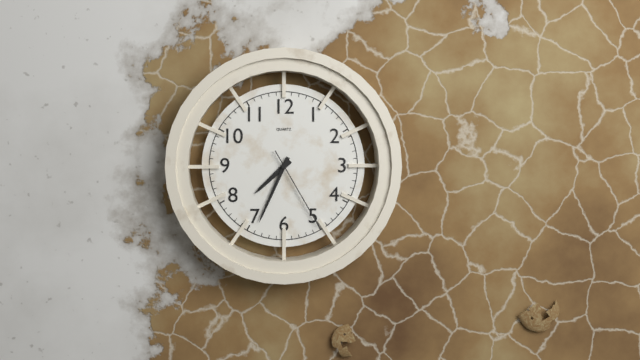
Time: h=7 m=34 s=25
